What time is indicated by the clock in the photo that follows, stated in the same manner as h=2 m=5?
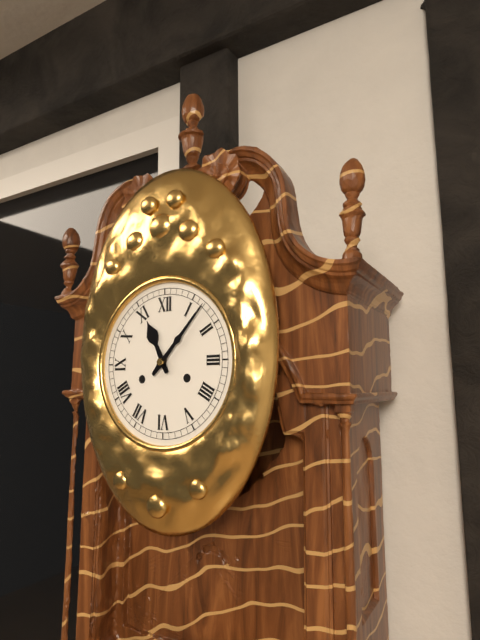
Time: h=11 m=7
